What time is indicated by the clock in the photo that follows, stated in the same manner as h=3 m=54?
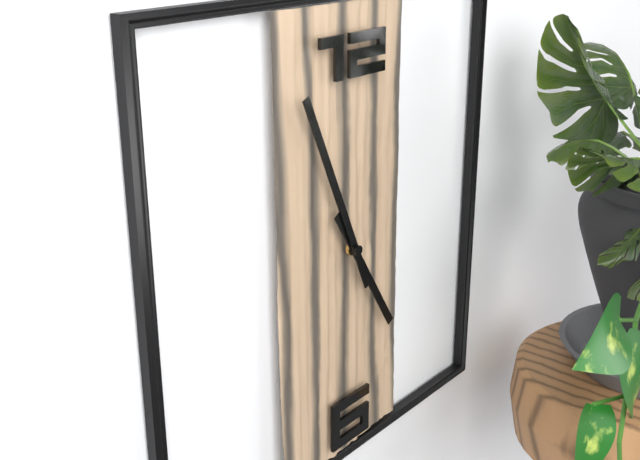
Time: h=4 m=56
